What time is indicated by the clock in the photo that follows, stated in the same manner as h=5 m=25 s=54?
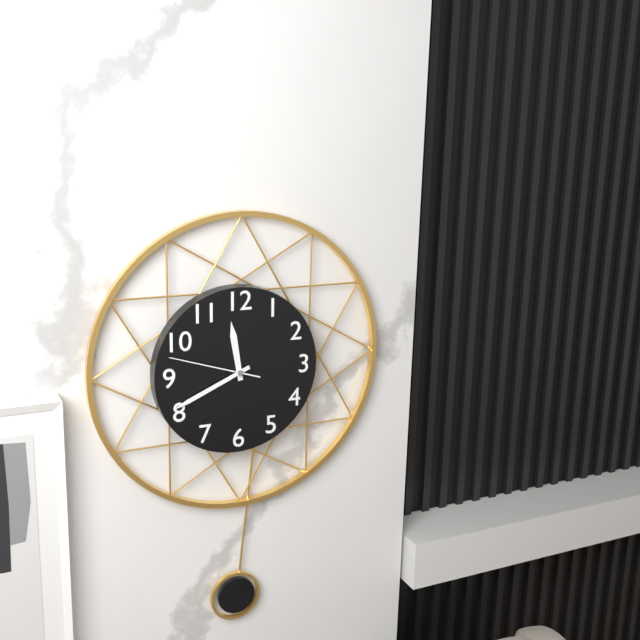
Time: h=11 m=41 s=48
